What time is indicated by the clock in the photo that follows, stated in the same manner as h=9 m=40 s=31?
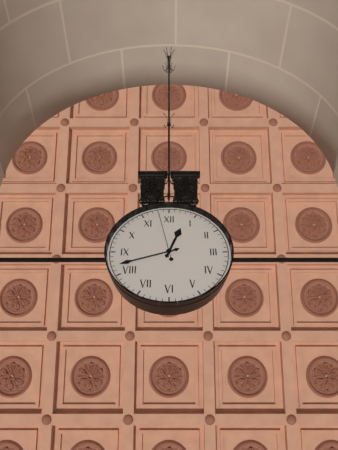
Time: h=12 m=42 s=58
